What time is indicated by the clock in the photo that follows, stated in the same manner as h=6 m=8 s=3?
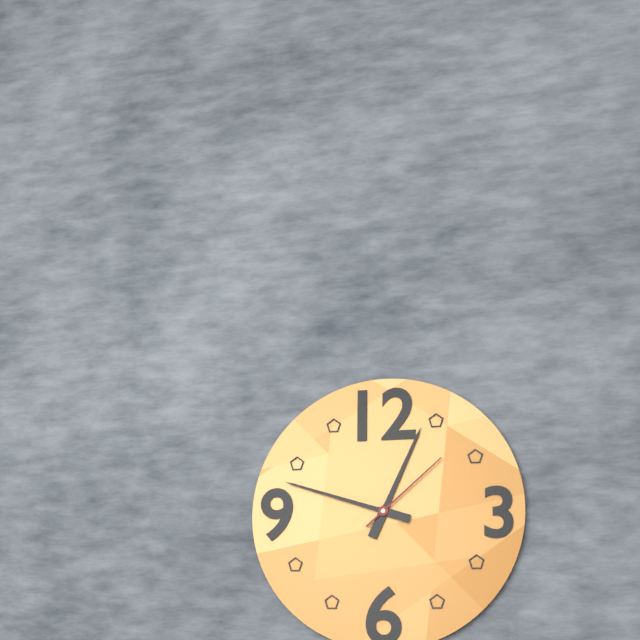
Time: h=12 m=48 s=8
